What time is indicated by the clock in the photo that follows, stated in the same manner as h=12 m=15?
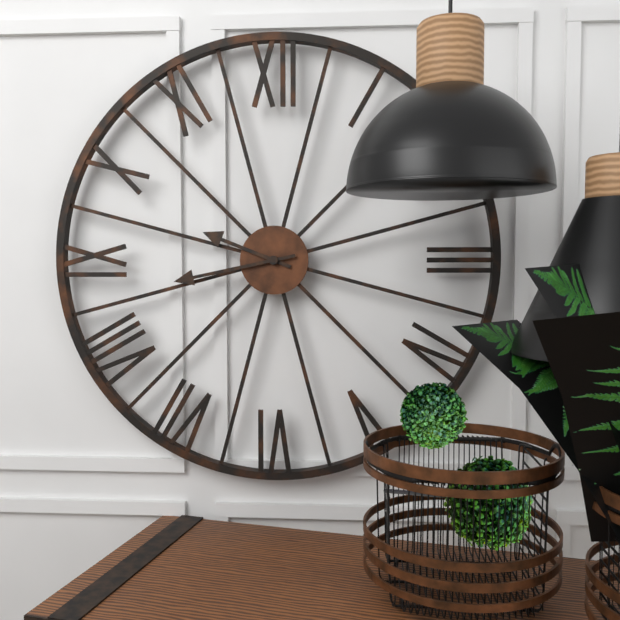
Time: h=9 m=43
